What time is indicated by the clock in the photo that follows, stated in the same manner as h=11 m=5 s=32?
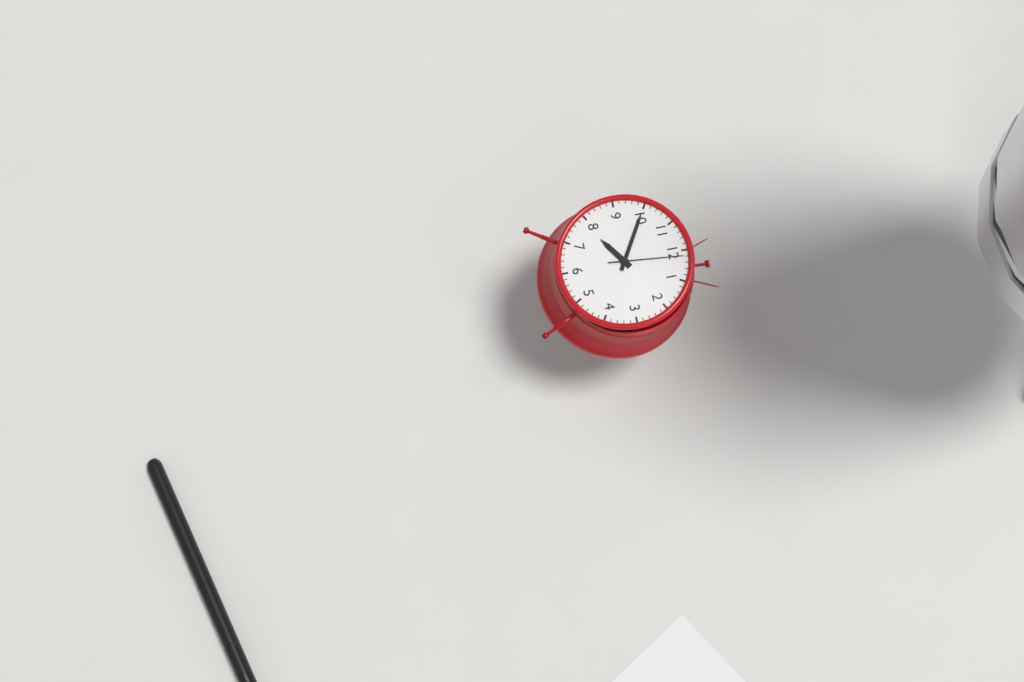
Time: h=7 m=50 s=1
